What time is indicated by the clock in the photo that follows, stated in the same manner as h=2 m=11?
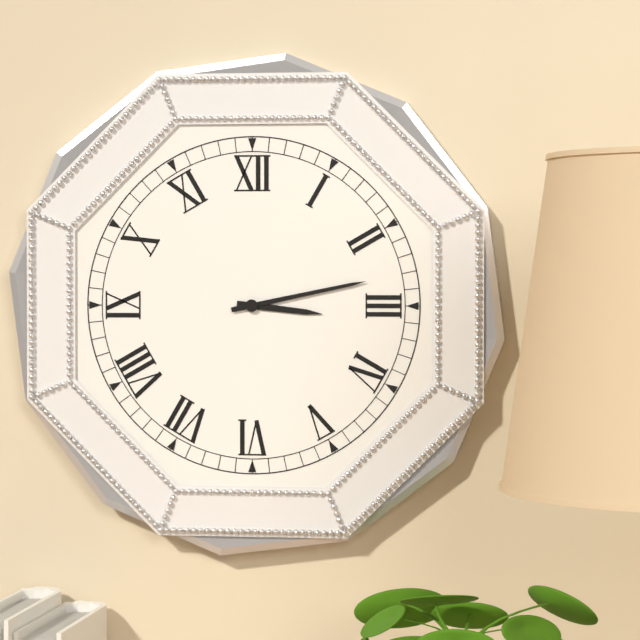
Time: h=3 m=13
